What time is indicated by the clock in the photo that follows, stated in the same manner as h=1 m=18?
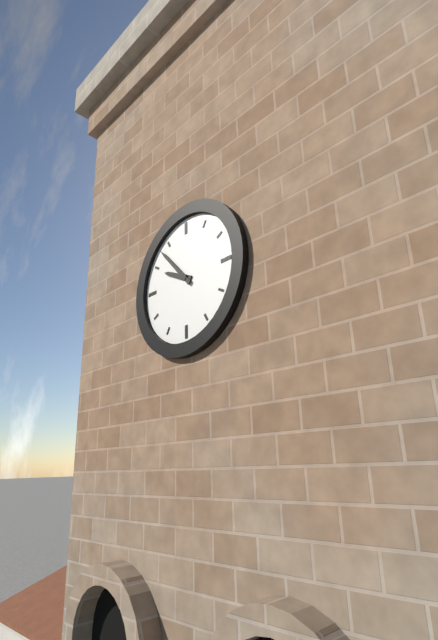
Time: h=9 m=53
